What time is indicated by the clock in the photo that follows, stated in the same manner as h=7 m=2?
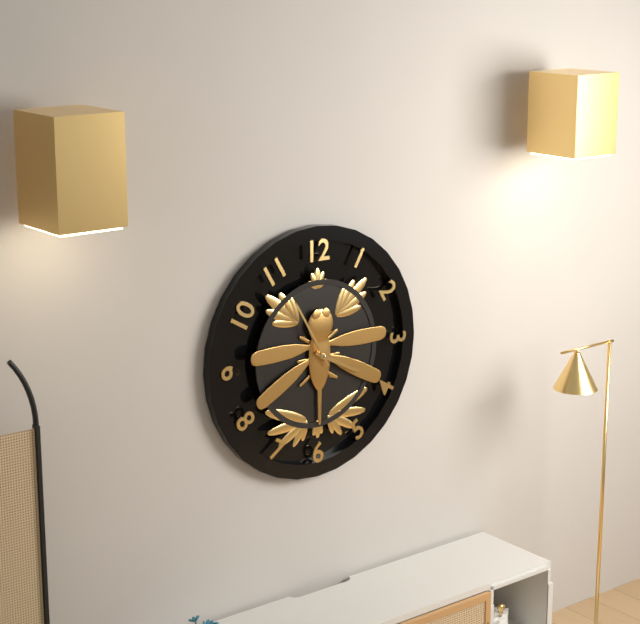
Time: h=3 m=55
